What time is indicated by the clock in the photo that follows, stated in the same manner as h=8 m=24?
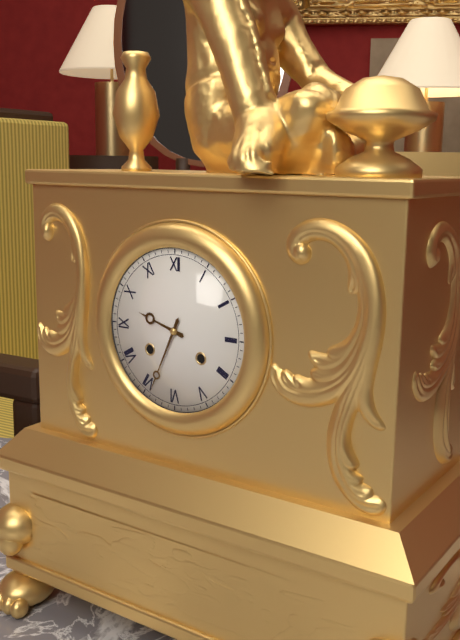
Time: h=9 m=34
